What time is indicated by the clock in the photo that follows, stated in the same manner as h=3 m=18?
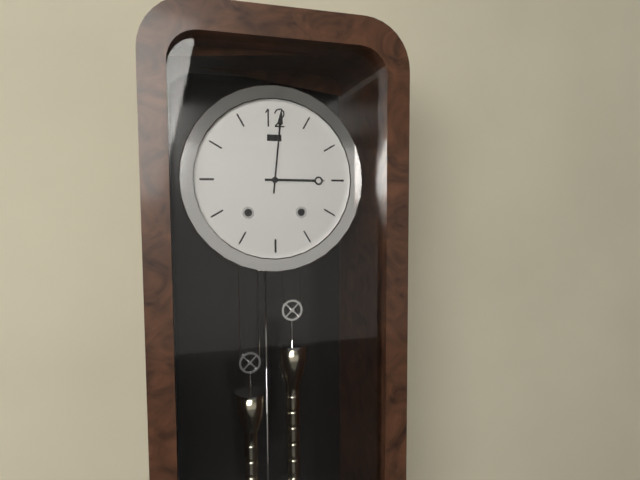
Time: h=3 m=1
